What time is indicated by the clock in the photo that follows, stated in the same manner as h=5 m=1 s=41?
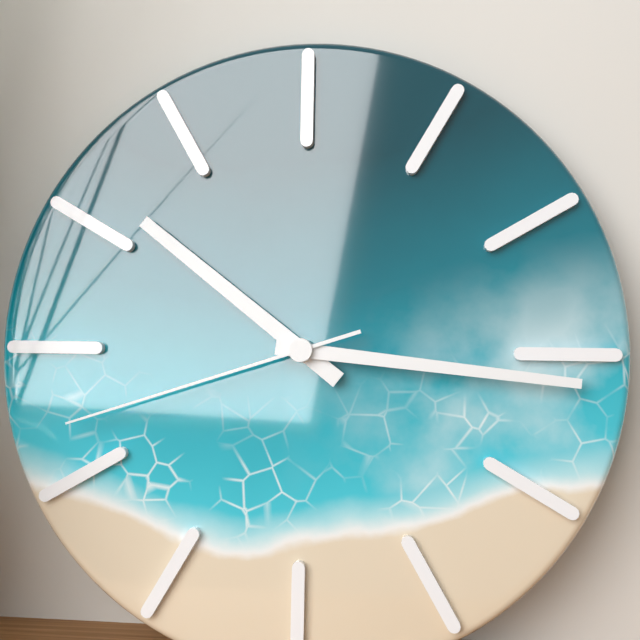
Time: h=10 m=16 s=42
